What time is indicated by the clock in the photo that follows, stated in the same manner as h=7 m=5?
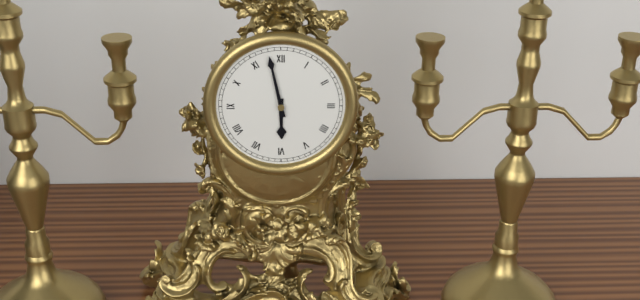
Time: h=5 m=58
